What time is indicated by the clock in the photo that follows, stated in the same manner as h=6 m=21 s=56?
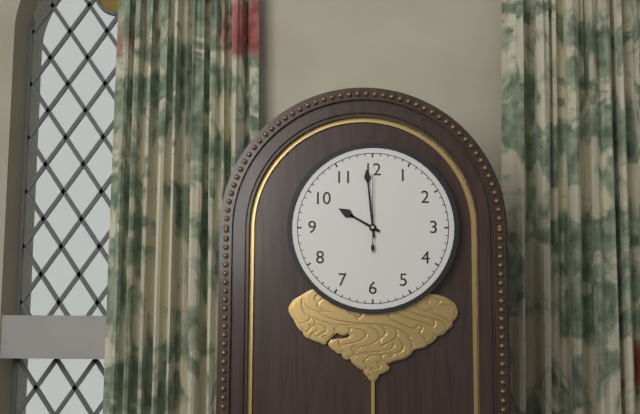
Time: h=9 m=59 s=0
